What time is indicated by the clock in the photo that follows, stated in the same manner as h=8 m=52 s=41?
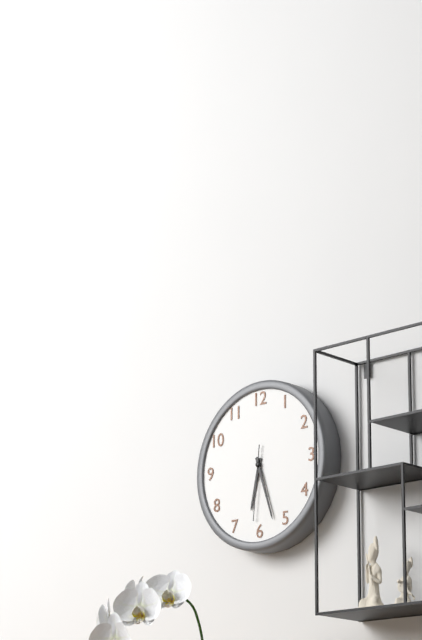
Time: h=6 m=27 s=31
